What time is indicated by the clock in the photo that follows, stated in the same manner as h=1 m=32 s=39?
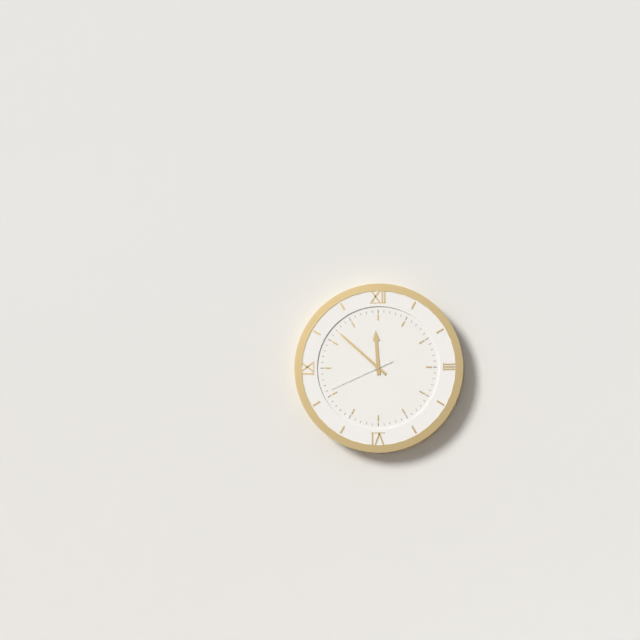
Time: h=11 m=52 s=41
